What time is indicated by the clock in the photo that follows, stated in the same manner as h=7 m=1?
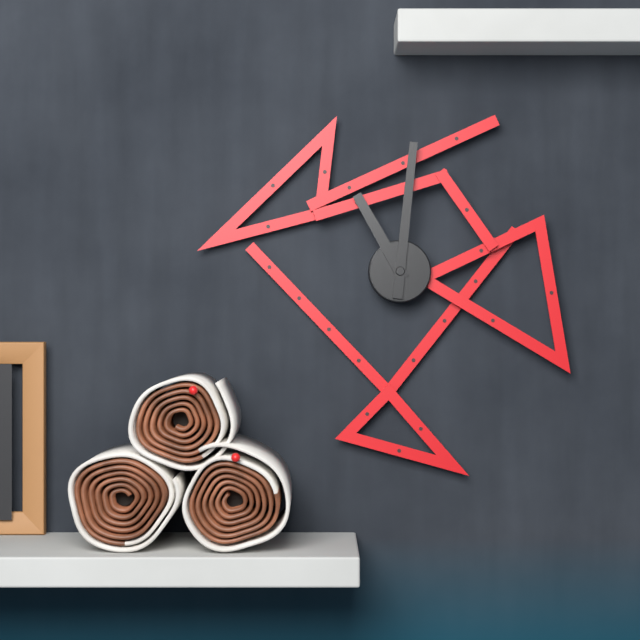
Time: h=11 m=1
